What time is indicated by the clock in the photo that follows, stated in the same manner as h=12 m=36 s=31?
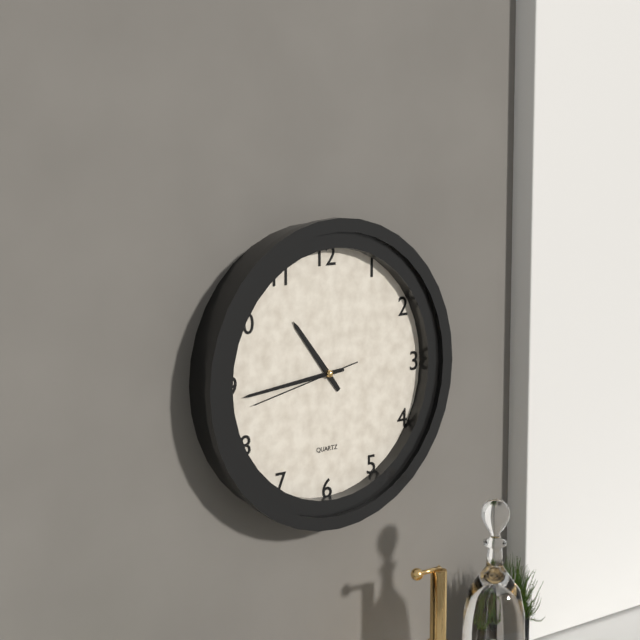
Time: h=10 m=44 s=43
